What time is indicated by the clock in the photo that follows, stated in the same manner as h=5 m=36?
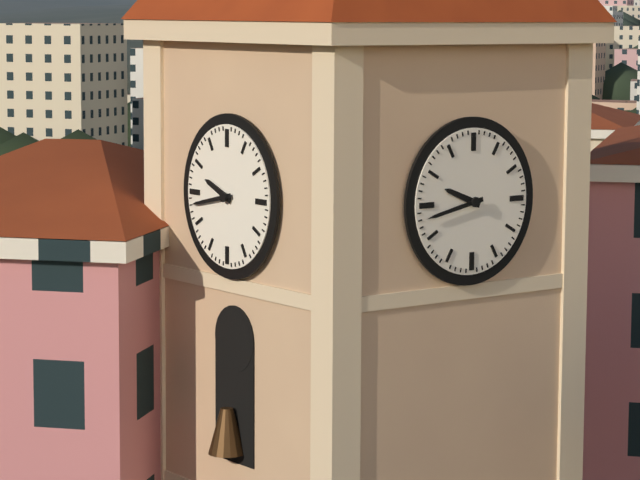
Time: h=9 m=43
